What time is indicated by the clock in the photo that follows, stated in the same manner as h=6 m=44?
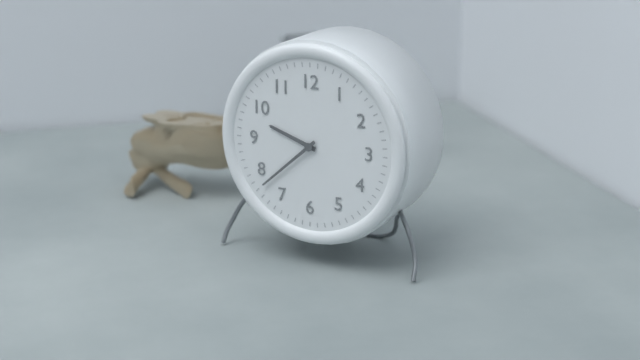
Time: h=9 m=38
